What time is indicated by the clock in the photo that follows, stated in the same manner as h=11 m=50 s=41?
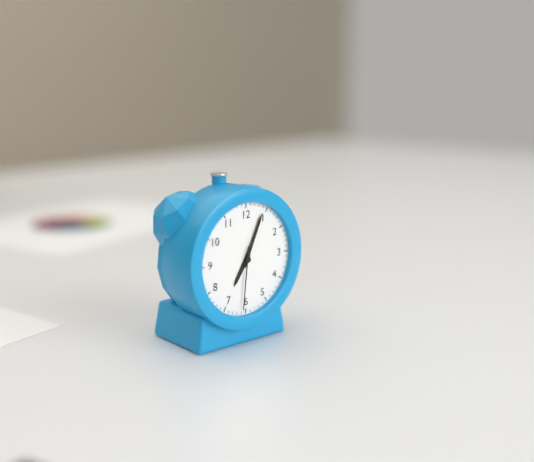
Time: h=7 m=4 s=31
